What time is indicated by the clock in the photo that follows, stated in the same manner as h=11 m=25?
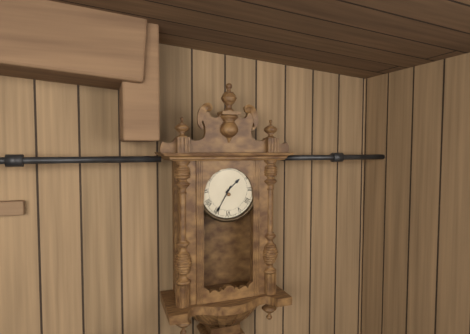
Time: h=1 m=35
